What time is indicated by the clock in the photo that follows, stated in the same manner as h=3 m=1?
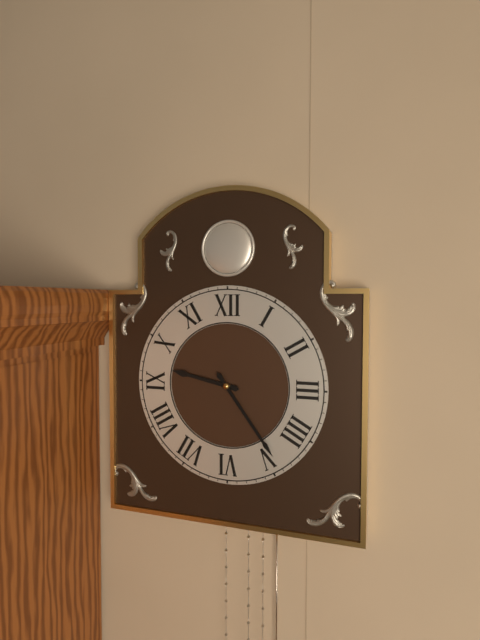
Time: h=9 m=24
